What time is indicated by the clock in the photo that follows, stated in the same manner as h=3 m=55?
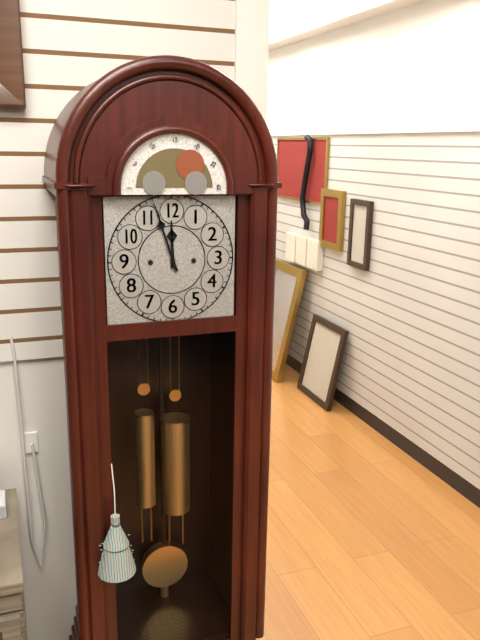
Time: h=11 m=57
